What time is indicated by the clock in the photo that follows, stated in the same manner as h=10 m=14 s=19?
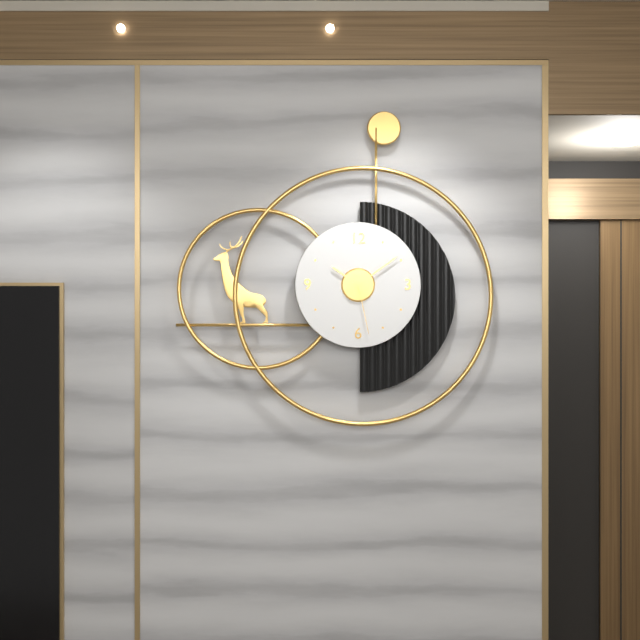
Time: h=10 m=9 s=28
